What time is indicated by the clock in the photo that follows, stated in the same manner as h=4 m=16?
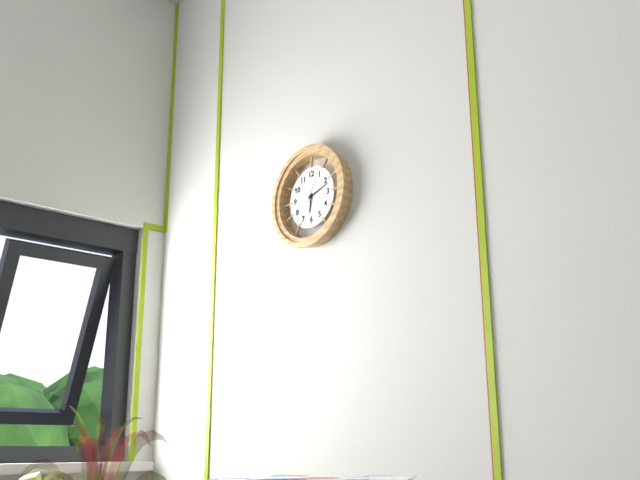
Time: h=6 m=12
